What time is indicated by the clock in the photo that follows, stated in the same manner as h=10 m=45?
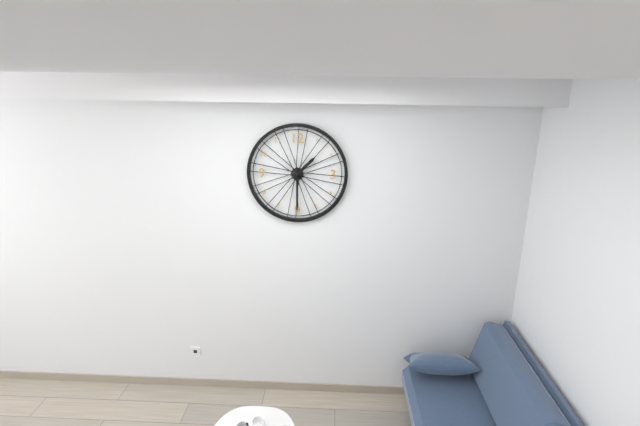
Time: h=1 m=30
